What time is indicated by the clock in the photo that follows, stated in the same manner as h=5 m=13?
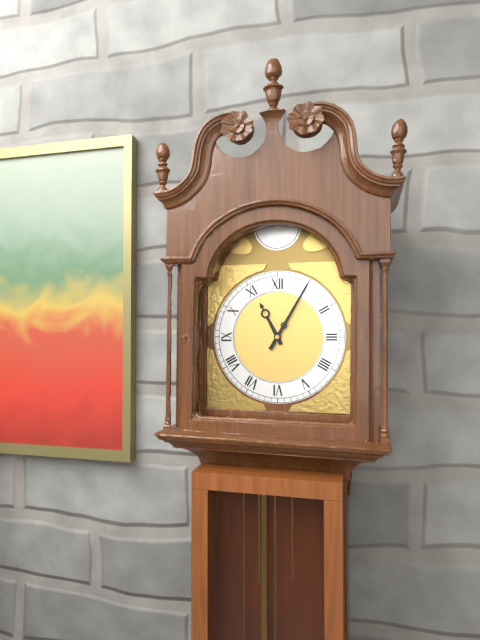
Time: h=11 m=5
